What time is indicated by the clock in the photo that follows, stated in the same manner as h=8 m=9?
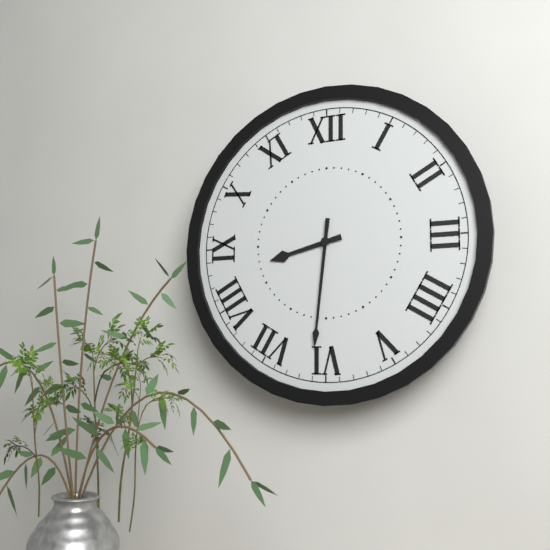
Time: h=8 m=31
